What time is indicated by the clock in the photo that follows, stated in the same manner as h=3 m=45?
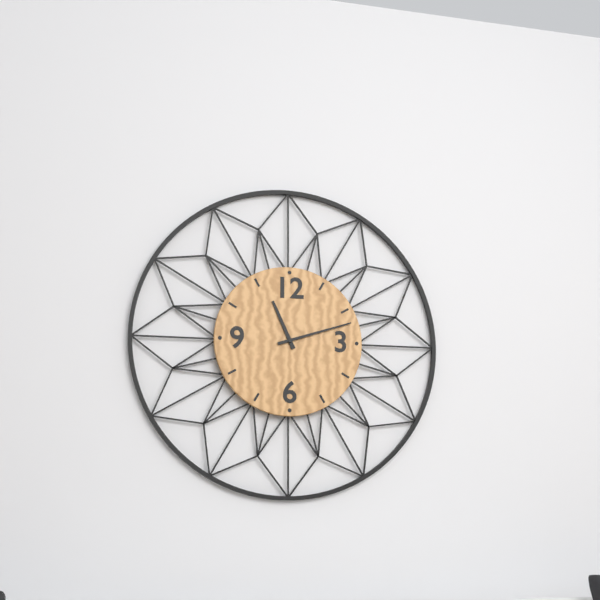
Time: h=11 m=12
